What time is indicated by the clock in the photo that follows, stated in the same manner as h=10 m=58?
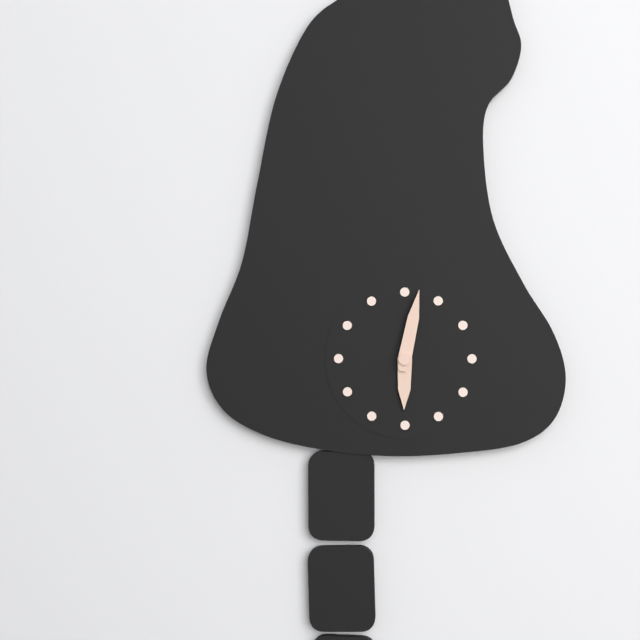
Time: h=6 m=2
